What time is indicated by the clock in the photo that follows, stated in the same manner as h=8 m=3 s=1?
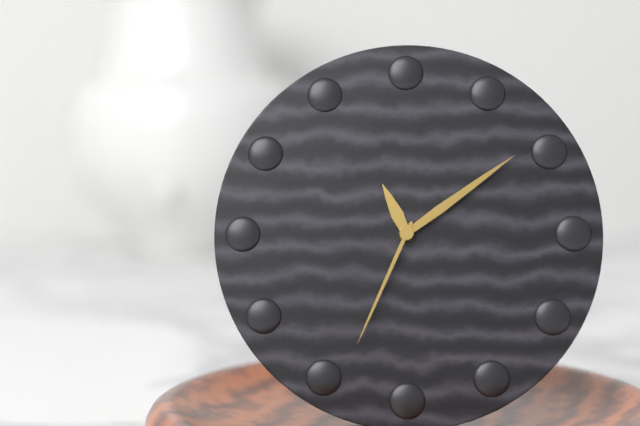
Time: h=11 m=9 s=34
